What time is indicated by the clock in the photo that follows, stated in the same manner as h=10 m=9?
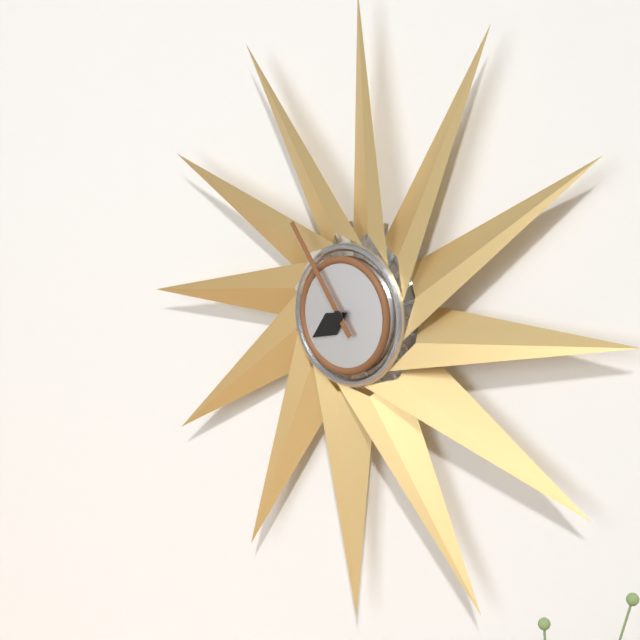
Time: h=7 m=54
